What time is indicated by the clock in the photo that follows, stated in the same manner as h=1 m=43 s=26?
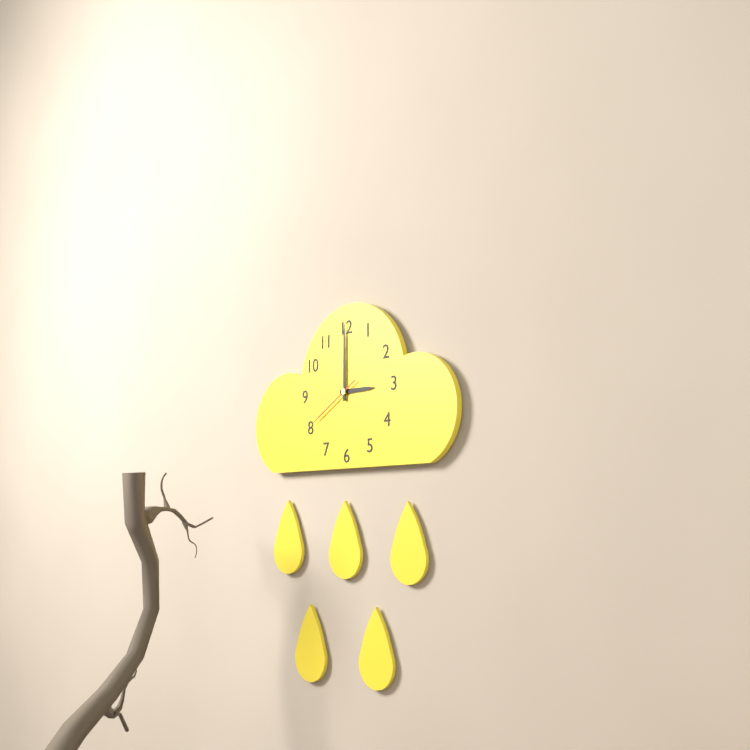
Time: h=3 m=0 s=40
